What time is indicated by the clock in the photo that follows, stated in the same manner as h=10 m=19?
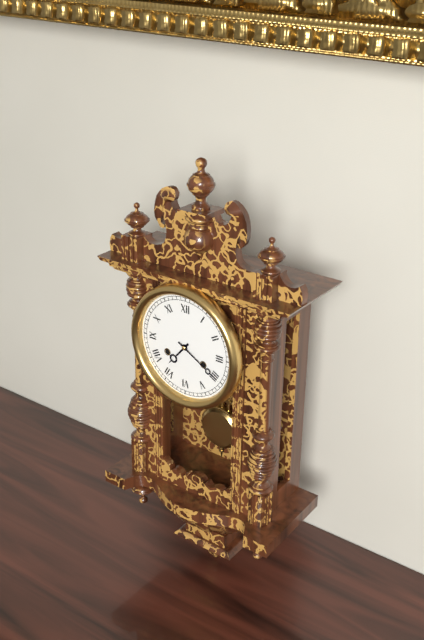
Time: h=7 m=20
